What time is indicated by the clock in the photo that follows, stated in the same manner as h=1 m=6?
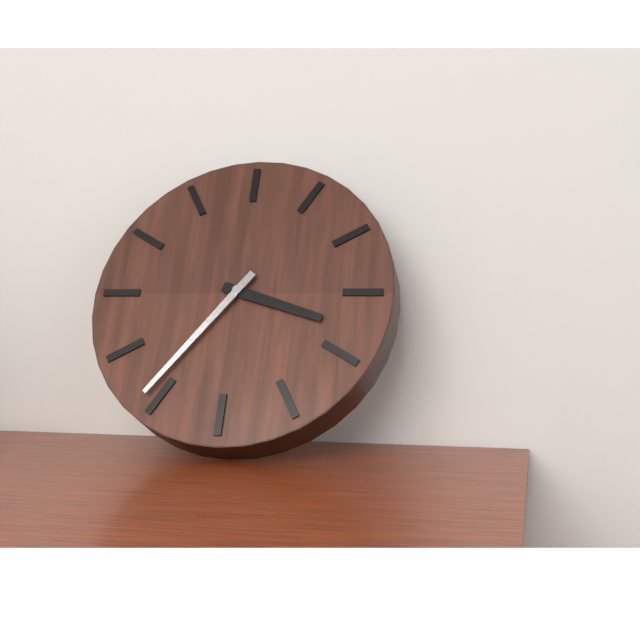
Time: h=3 m=36
